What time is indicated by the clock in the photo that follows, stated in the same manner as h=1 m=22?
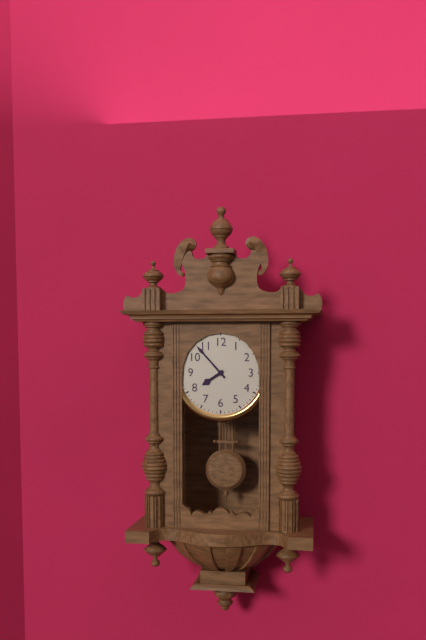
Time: h=7 m=53
